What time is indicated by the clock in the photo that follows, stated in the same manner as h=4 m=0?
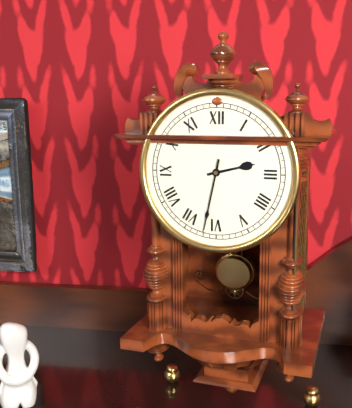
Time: h=2 m=32
